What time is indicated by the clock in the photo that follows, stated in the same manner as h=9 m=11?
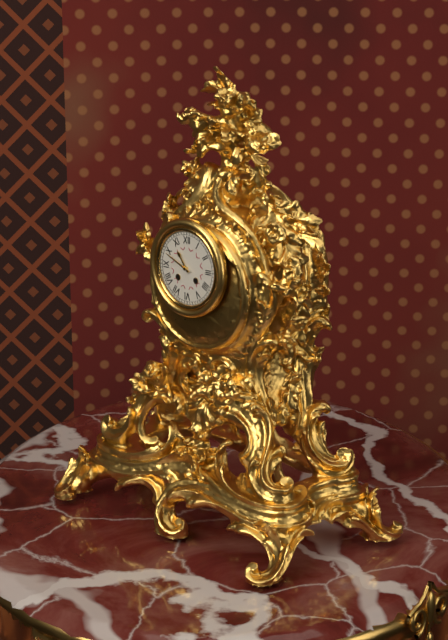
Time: h=10 m=49
